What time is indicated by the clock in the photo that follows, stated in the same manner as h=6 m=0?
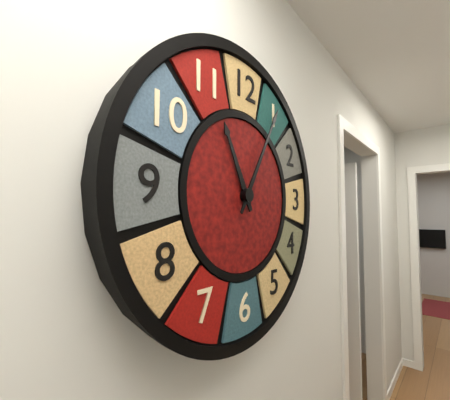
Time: h=11 m=5
